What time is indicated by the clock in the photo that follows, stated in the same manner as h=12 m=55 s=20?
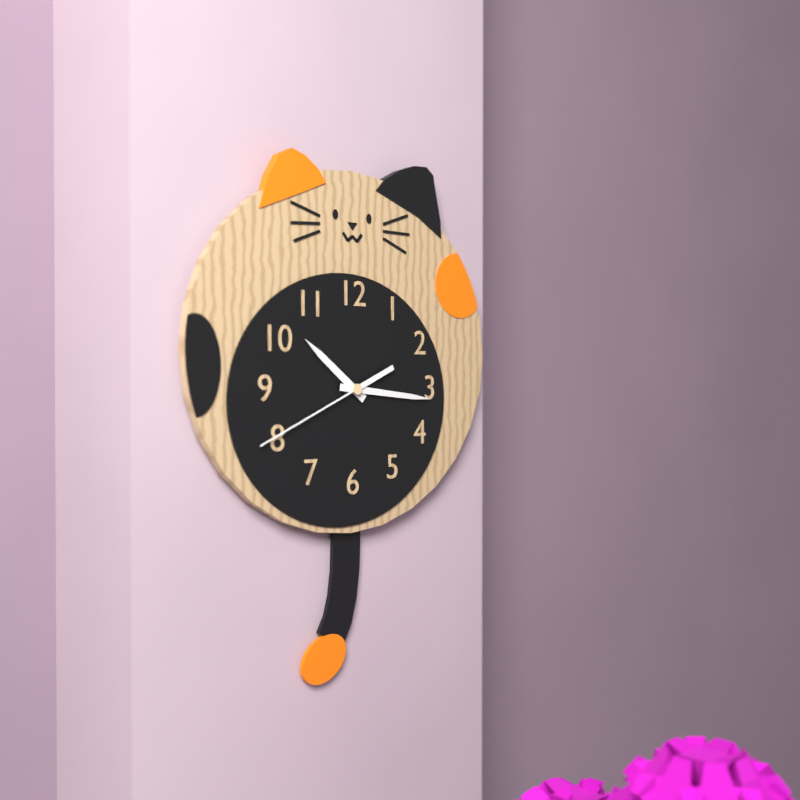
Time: h=10 m=16 s=41
